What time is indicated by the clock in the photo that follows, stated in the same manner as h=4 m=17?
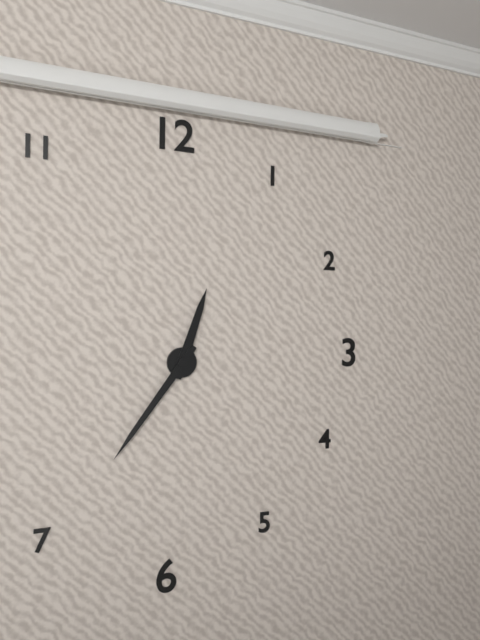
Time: h=12 m=36
